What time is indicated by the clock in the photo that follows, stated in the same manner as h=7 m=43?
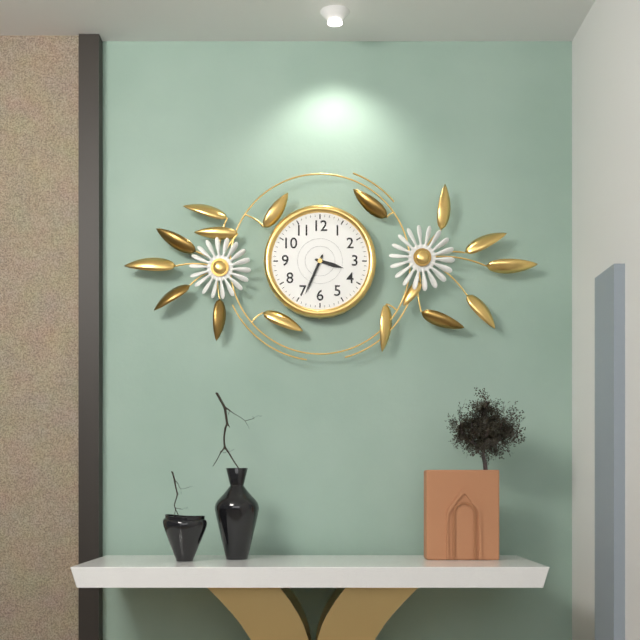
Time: h=3 m=34
